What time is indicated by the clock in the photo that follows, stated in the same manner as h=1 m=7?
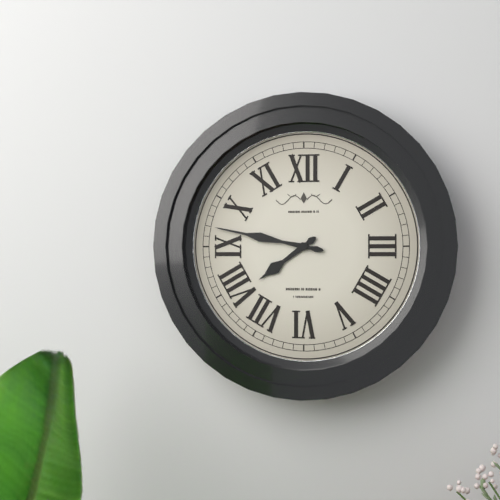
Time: h=7 m=47
